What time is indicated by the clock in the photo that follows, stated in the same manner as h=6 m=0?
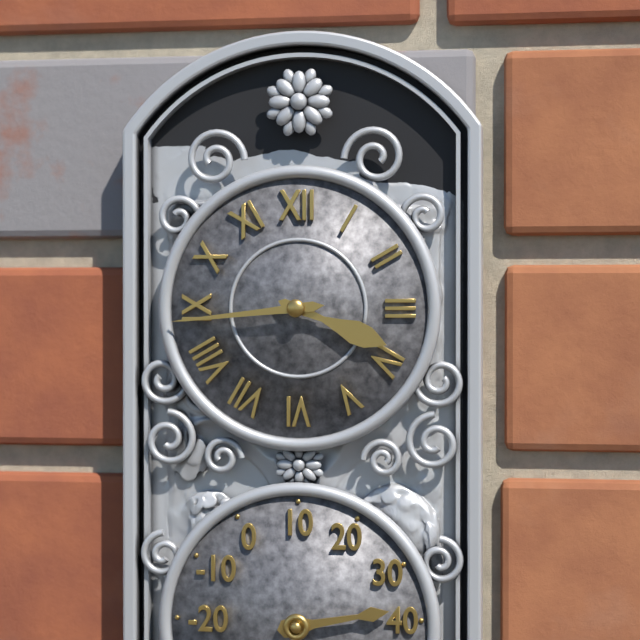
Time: h=3 m=44
